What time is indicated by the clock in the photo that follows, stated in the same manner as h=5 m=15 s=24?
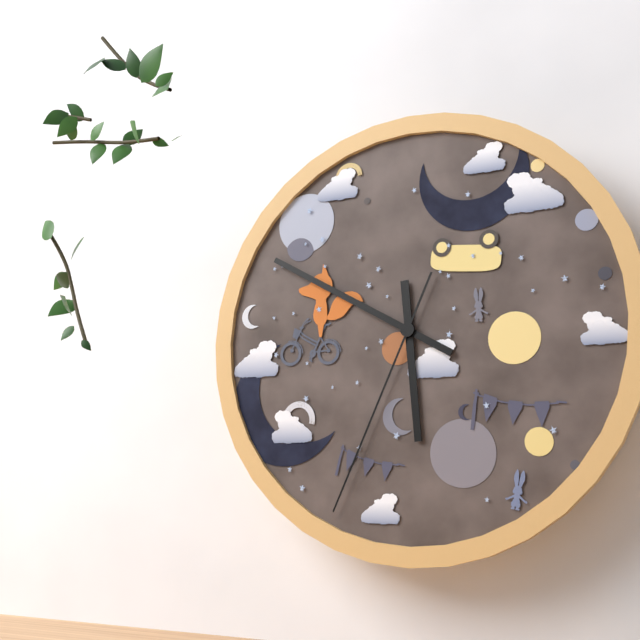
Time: h=5 m=50 s=34
